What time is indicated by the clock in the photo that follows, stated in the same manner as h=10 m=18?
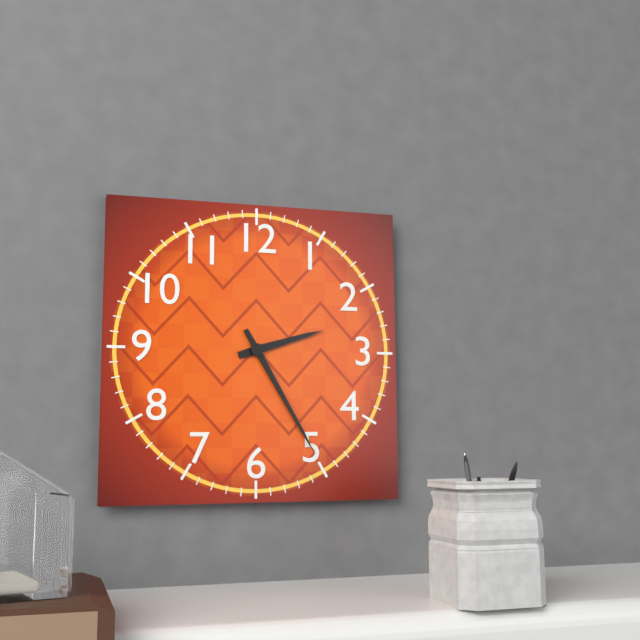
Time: h=2 m=25
